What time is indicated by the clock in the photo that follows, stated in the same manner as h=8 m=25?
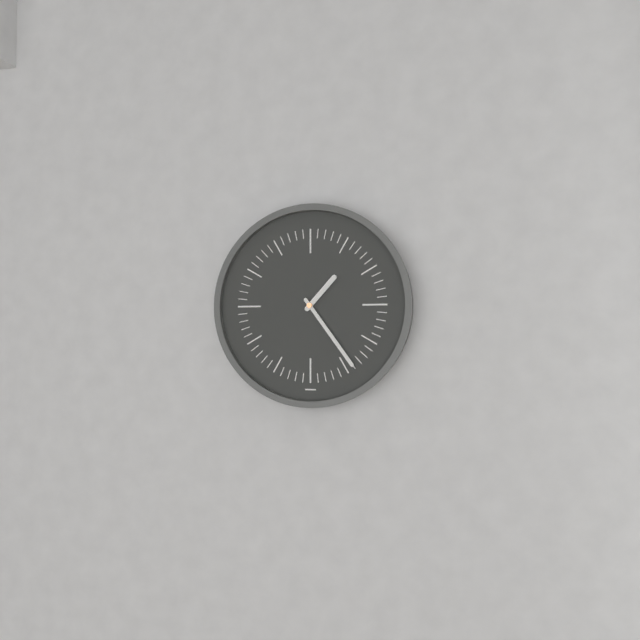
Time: h=1 m=24
